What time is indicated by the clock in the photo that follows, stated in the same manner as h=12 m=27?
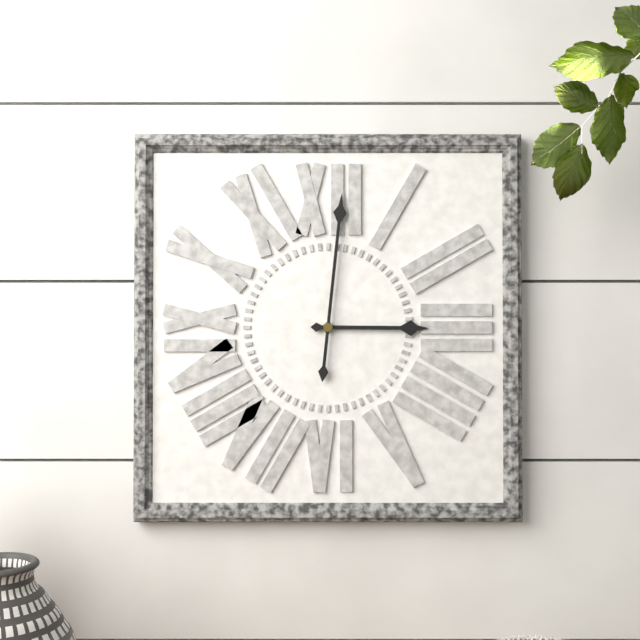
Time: h=3 m=1
